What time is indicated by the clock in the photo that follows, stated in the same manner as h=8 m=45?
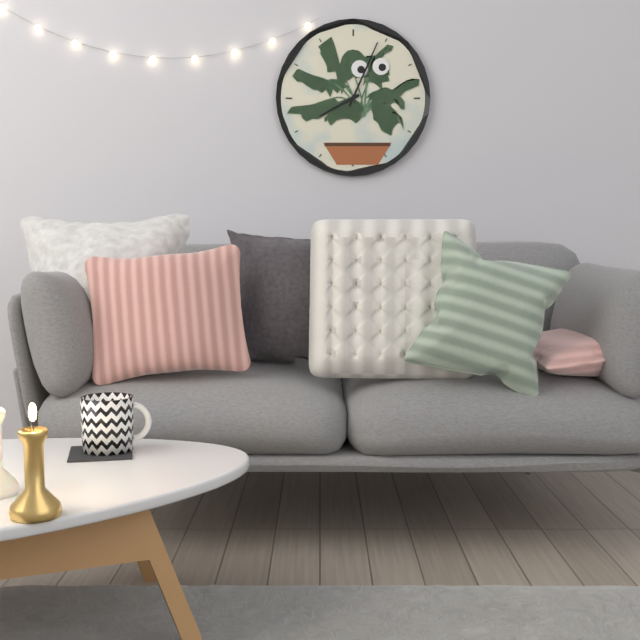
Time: h=8 m=4
